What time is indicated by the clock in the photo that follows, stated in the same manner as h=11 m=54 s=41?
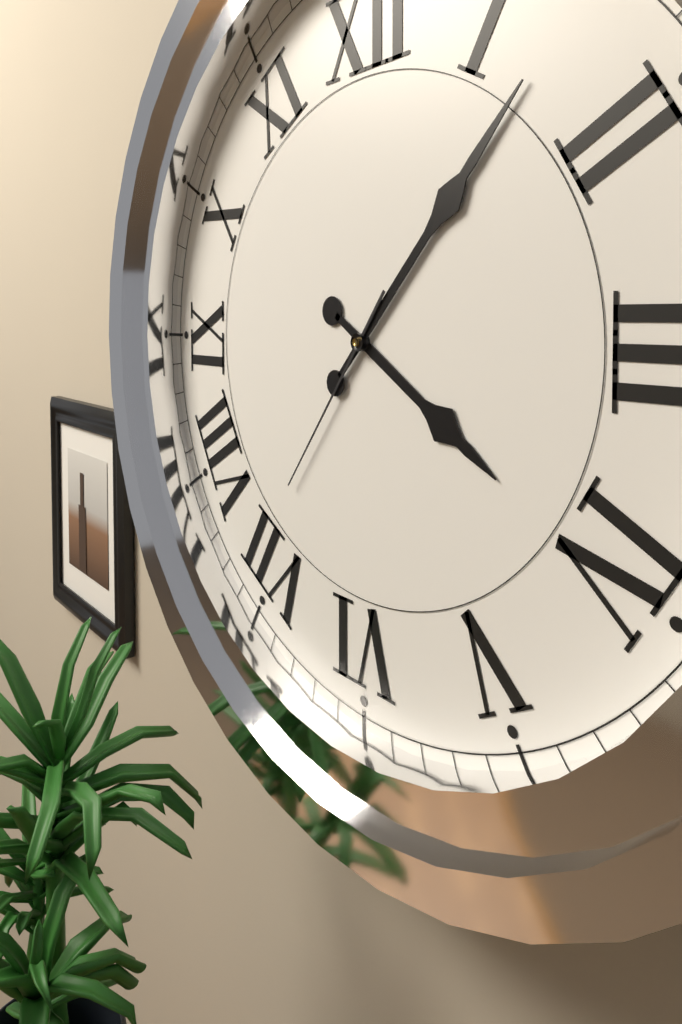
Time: h=4 m=7 s=36
